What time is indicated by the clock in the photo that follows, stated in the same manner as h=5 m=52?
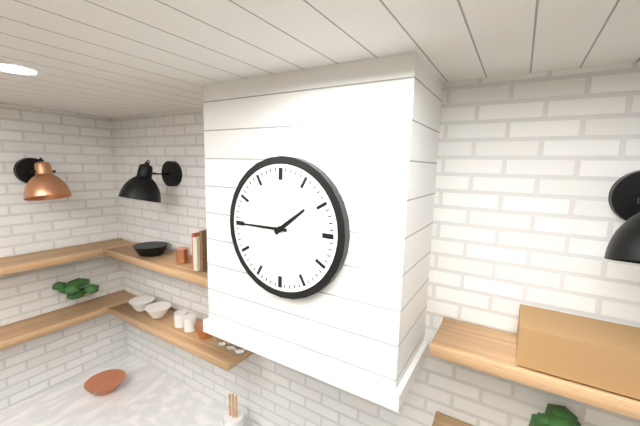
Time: h=1 m=45
